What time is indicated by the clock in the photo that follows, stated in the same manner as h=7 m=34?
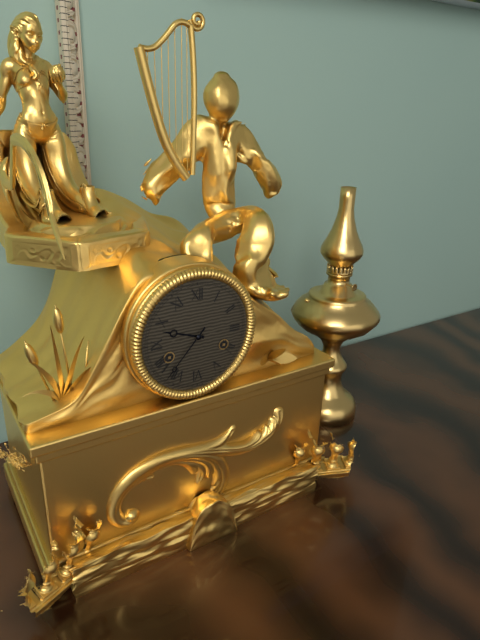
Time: h=9 m=37
